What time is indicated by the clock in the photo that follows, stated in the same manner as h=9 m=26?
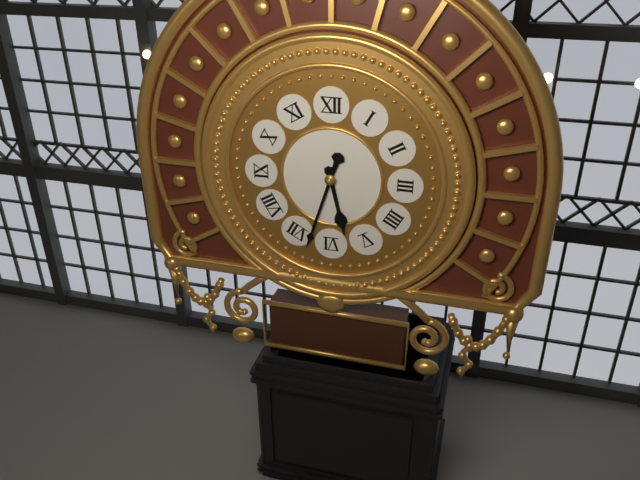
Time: h=5 m=33
